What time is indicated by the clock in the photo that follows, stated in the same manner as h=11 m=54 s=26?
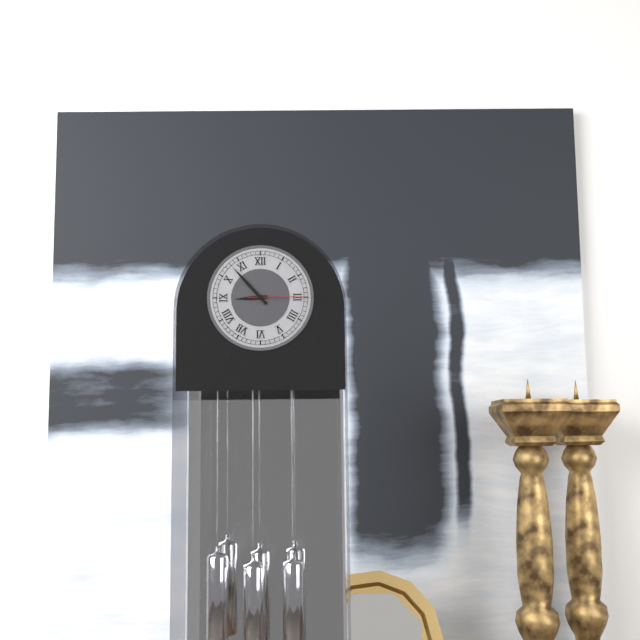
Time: h=8 m=53 s=15
